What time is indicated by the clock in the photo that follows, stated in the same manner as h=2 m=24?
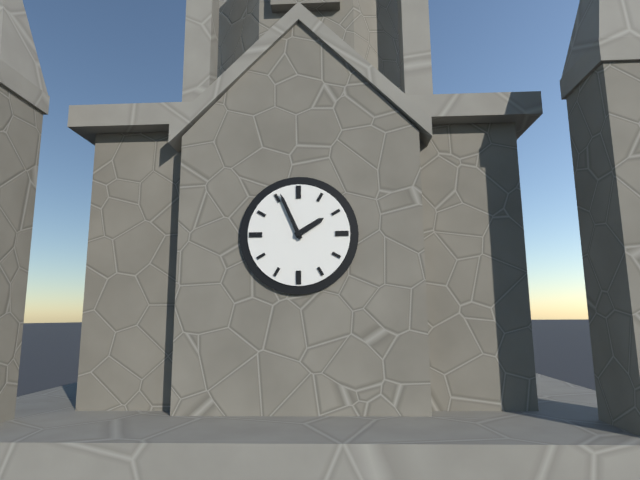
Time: h=1 m=56
